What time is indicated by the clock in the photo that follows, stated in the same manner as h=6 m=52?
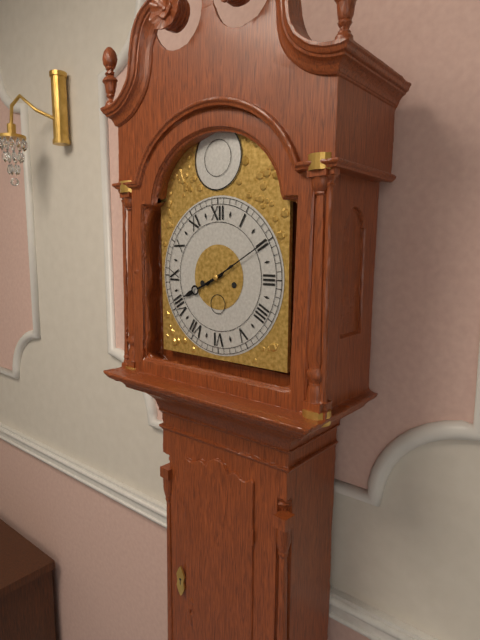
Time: h=8 m=10
